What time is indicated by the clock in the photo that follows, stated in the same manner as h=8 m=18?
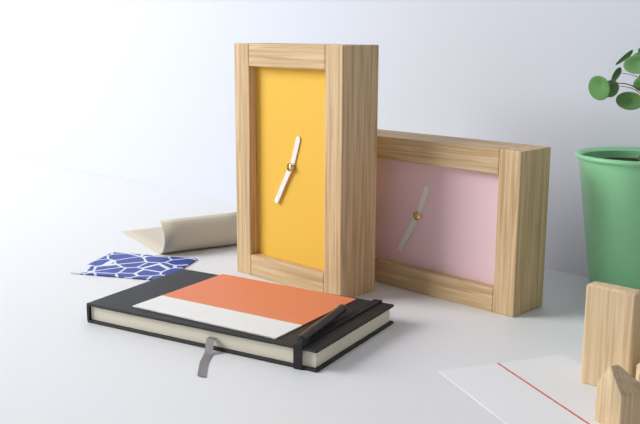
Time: h=12 m=35
